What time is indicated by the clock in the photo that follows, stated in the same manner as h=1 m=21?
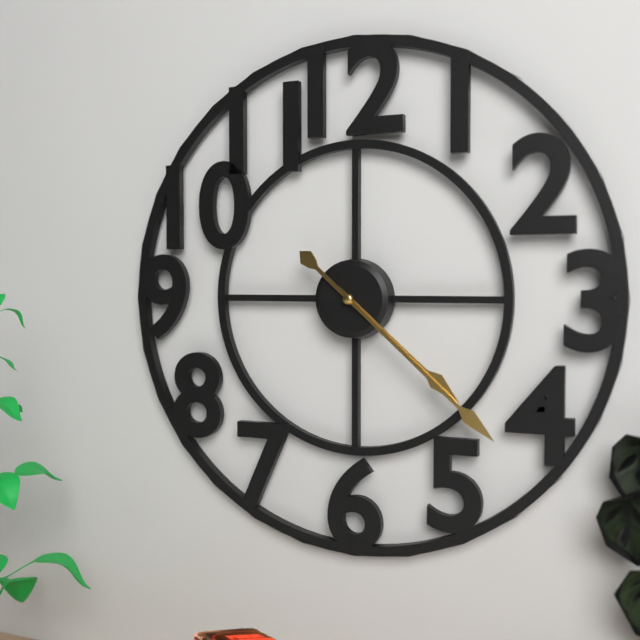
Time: h=4 m=22
